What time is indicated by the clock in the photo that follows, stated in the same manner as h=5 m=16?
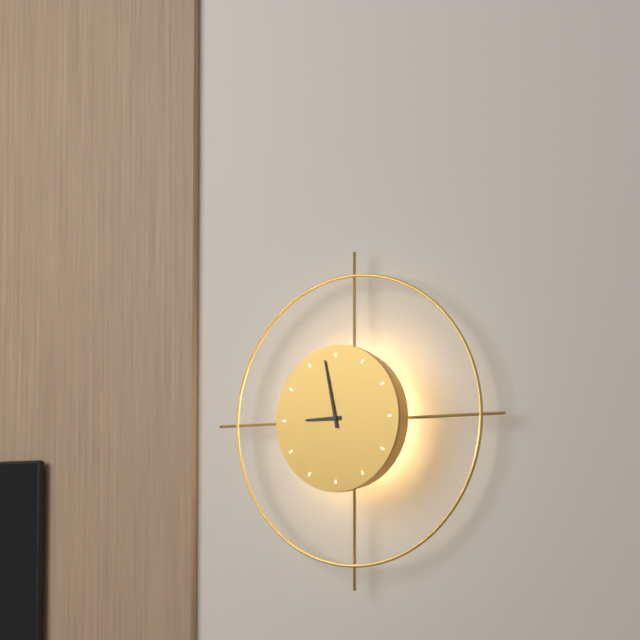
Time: h=8 m=58
